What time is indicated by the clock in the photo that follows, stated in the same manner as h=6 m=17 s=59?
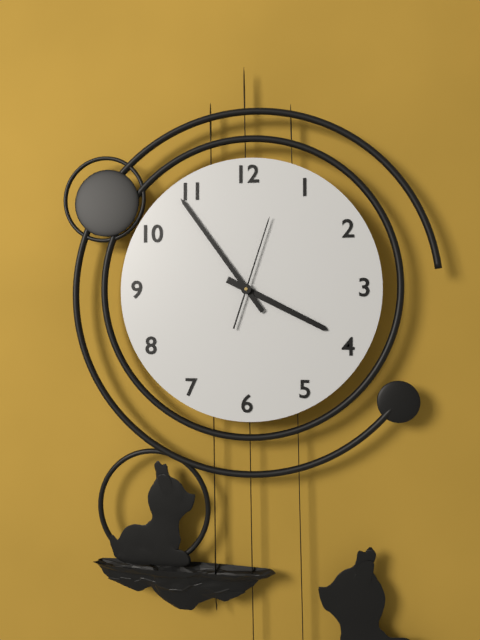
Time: h=3 m=54 s=3
